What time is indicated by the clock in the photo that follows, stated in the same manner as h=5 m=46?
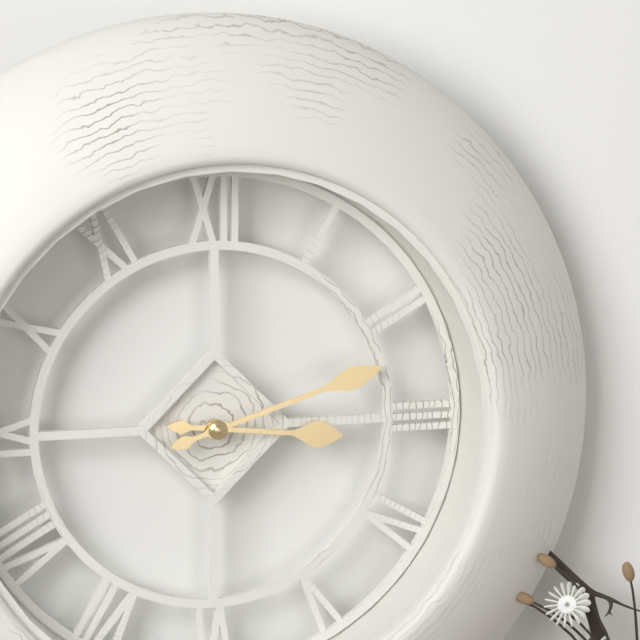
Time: h=3 m=12
